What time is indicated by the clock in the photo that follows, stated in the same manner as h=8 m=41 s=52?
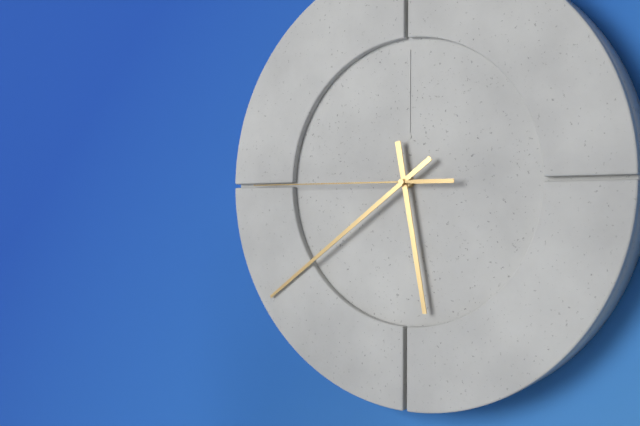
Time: h=5 m=39 s=45
